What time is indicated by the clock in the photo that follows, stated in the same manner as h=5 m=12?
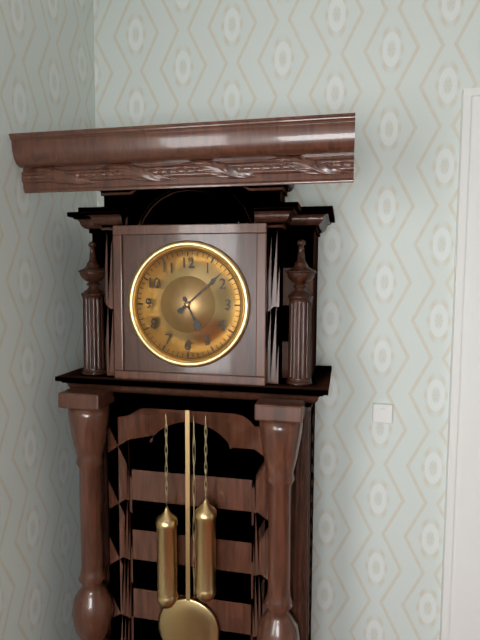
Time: h=5 m=8
